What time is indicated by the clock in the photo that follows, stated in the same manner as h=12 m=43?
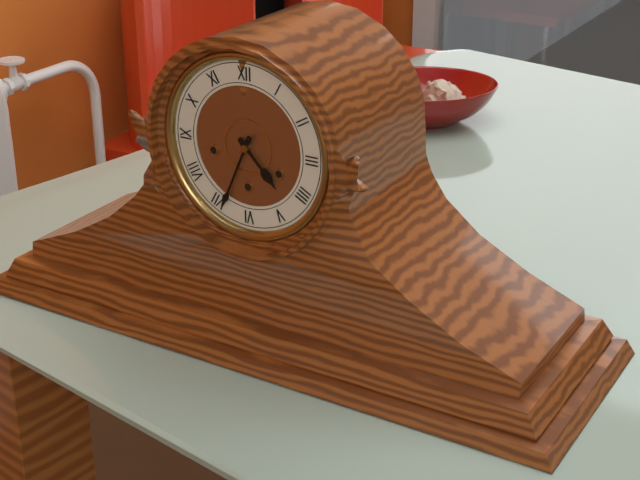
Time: h=4 m=34
